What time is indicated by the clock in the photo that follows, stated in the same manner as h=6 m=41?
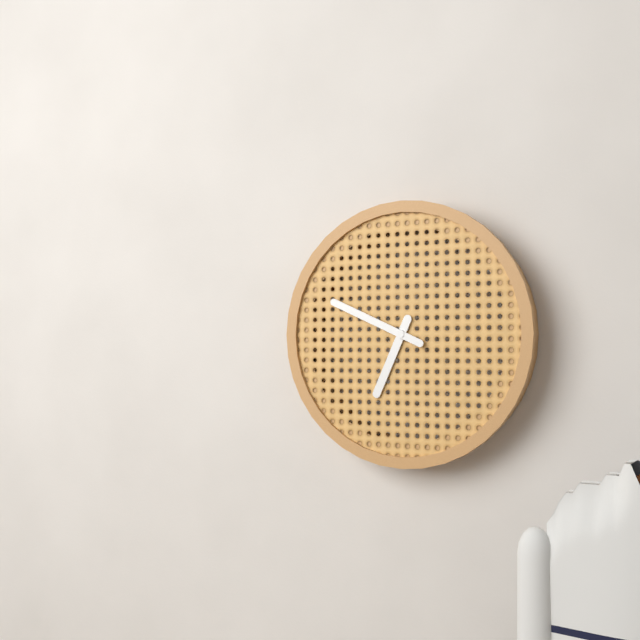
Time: h=6 m=49
